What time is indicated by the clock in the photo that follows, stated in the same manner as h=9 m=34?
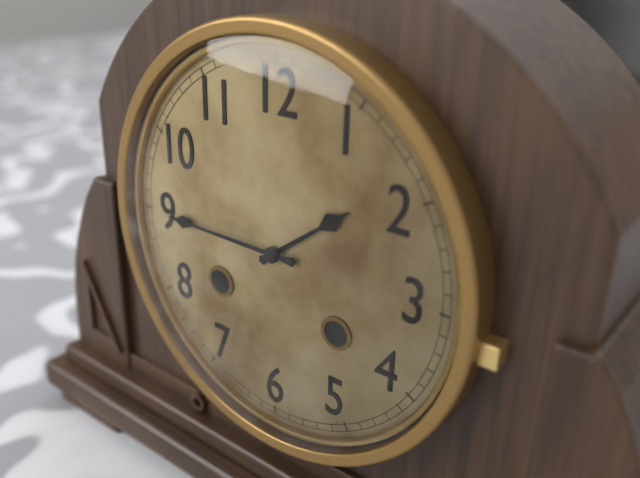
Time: h=1 m=45
